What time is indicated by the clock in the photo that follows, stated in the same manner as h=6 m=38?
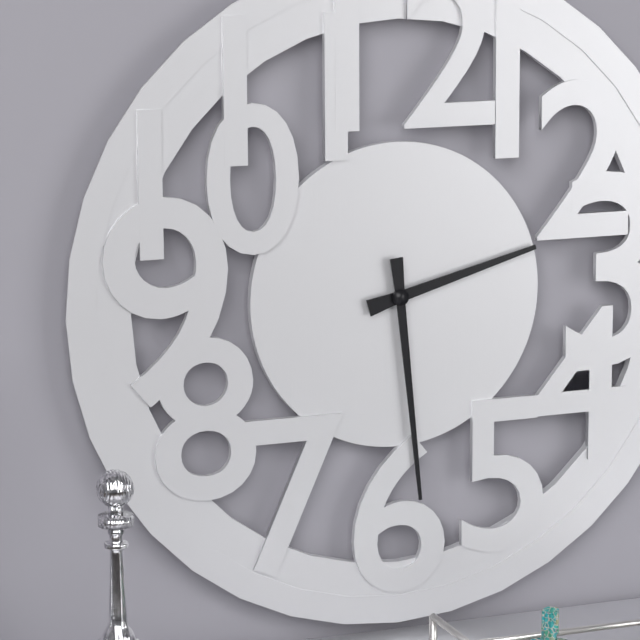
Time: h=2 m=29
